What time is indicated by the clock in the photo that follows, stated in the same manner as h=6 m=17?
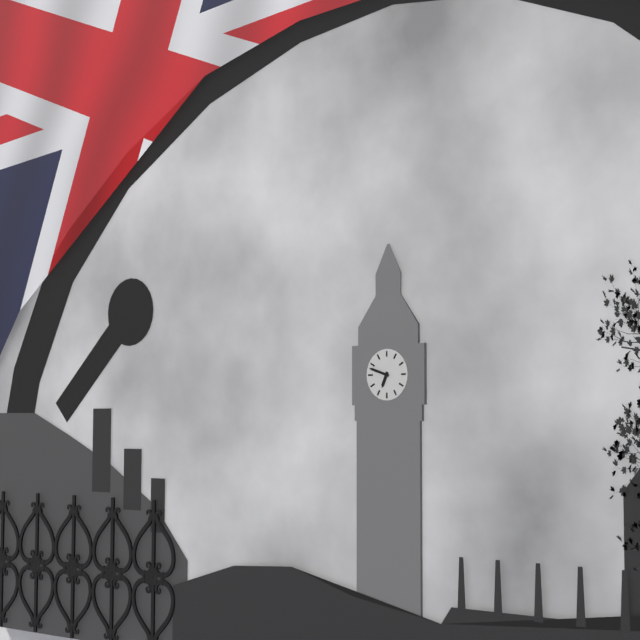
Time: h=6 m=48
